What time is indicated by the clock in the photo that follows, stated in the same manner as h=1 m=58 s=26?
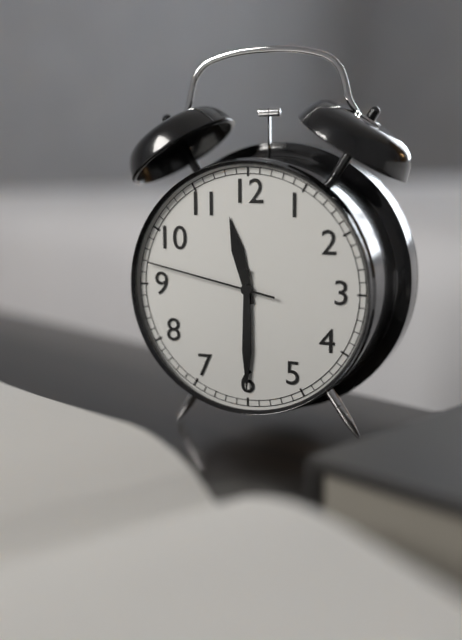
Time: h=11 m=30 s=47
